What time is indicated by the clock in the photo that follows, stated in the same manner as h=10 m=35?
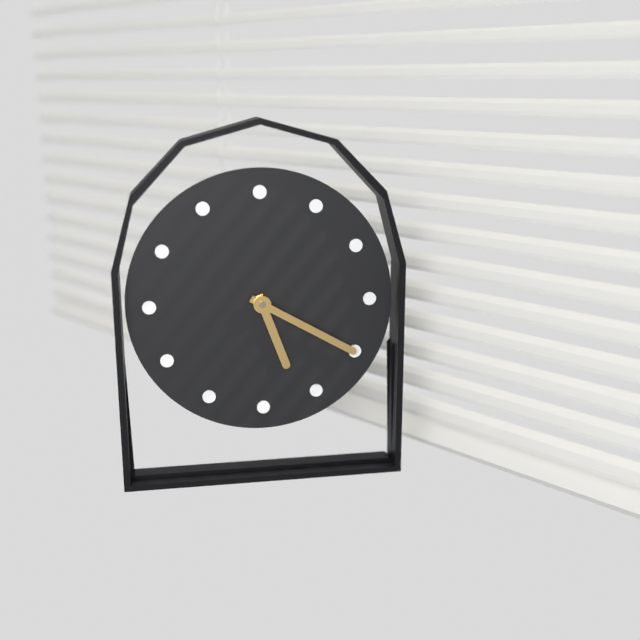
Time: h=5 m=20
